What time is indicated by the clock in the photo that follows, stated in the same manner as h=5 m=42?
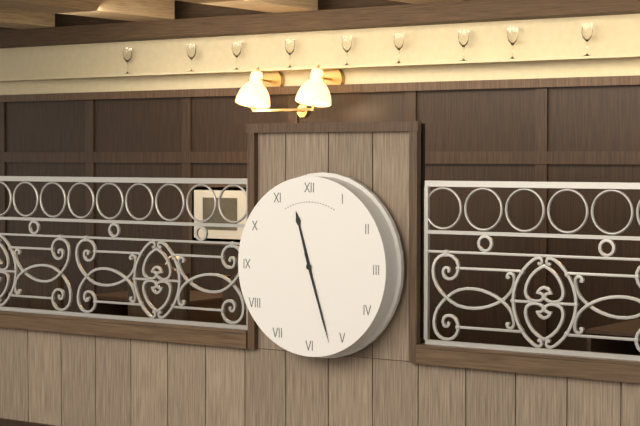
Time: h=11 m=27
